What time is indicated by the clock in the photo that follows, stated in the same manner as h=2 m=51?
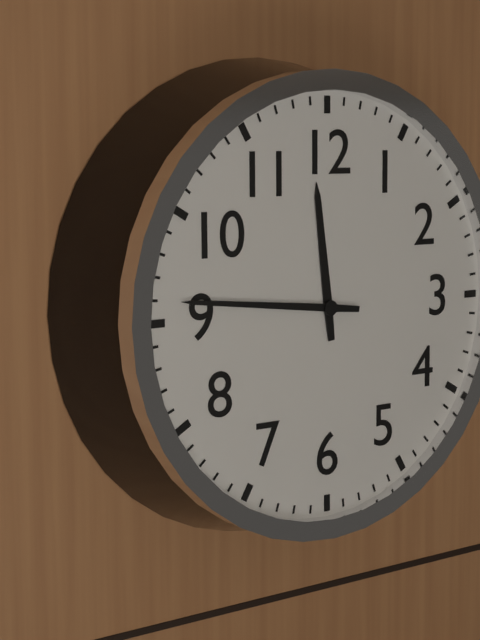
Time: h=11 m=46
